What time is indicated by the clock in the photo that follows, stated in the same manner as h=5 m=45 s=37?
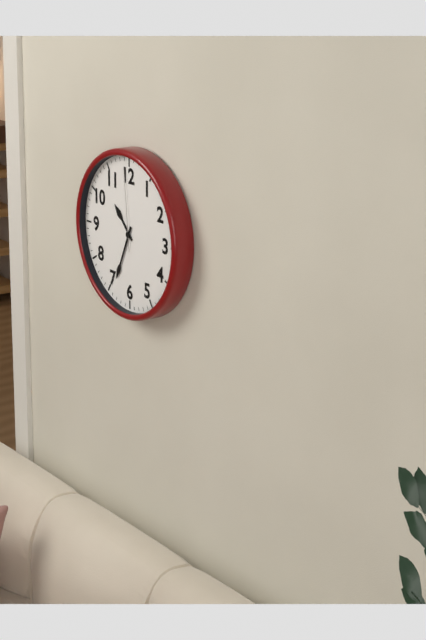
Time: h=10 m=34 s=59
